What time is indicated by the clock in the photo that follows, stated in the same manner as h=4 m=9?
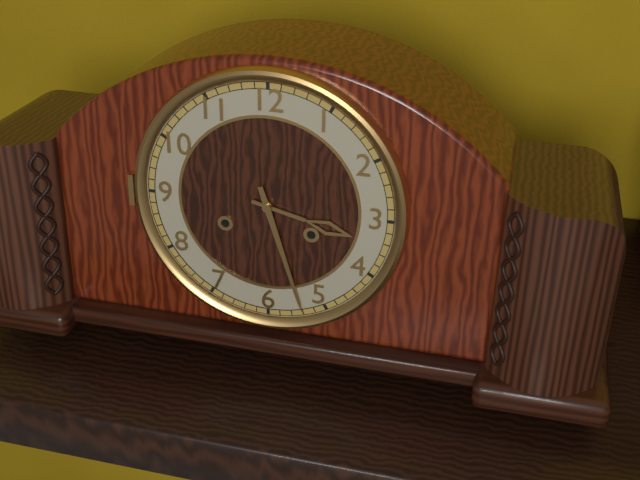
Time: h=3 m=27
